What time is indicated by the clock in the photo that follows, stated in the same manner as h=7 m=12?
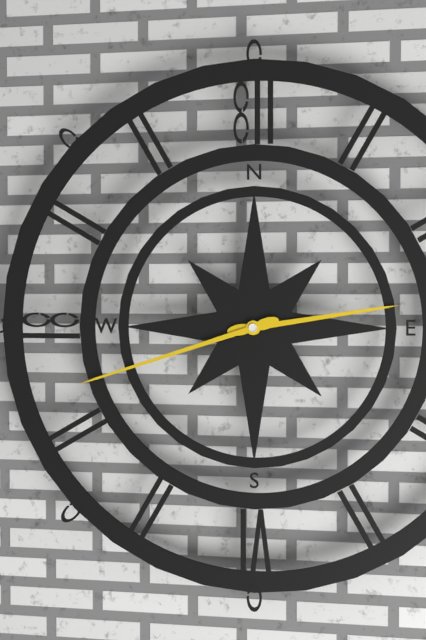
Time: h=2 m=42
